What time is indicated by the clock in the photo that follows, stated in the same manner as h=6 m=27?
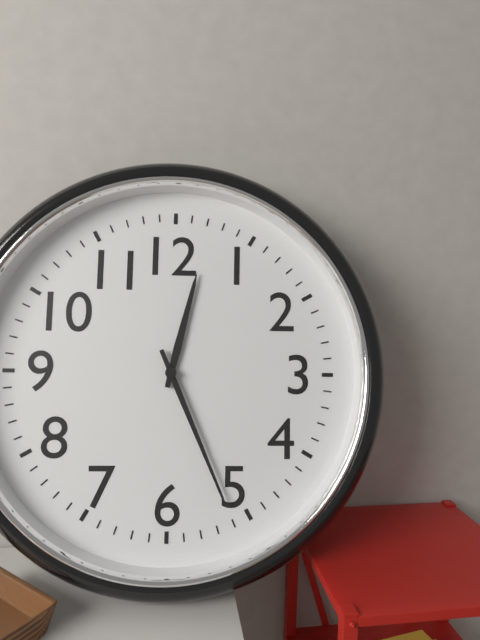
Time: h=12 m=26
